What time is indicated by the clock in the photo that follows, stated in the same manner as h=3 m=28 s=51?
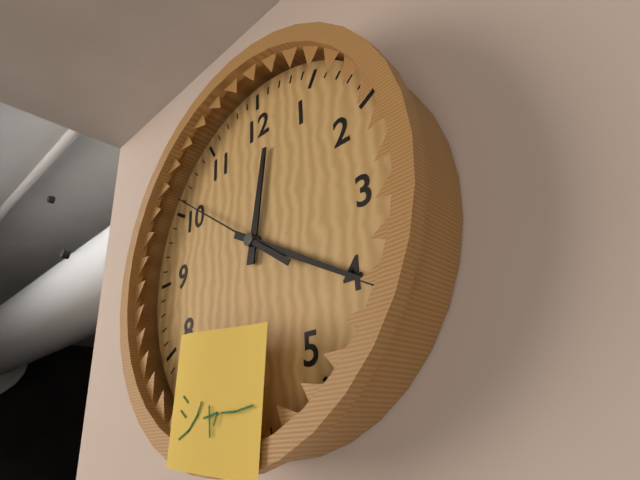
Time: h=12 m=20 s=51
